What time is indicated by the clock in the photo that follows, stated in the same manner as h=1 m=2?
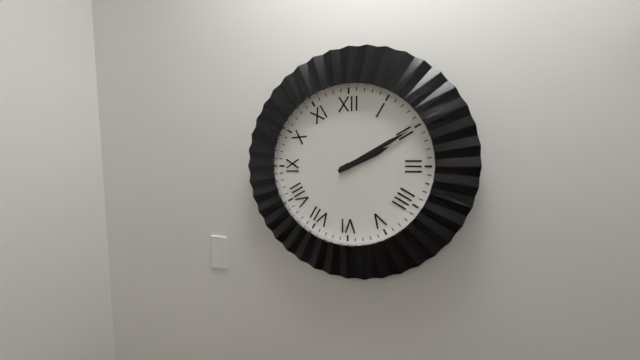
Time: h=2 m=10
